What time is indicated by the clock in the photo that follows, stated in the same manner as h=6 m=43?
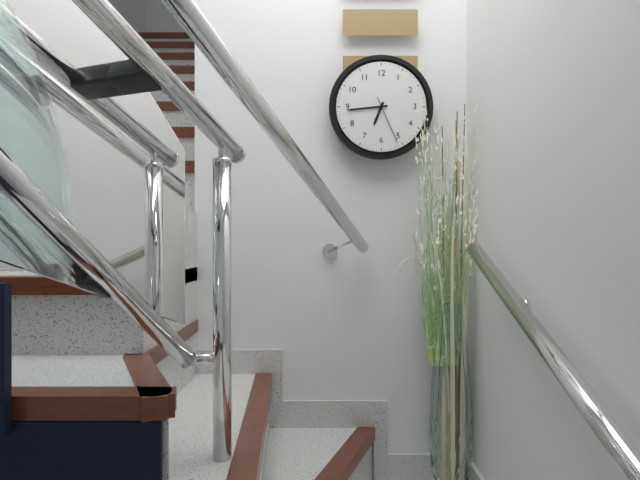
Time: h=6 m=44
